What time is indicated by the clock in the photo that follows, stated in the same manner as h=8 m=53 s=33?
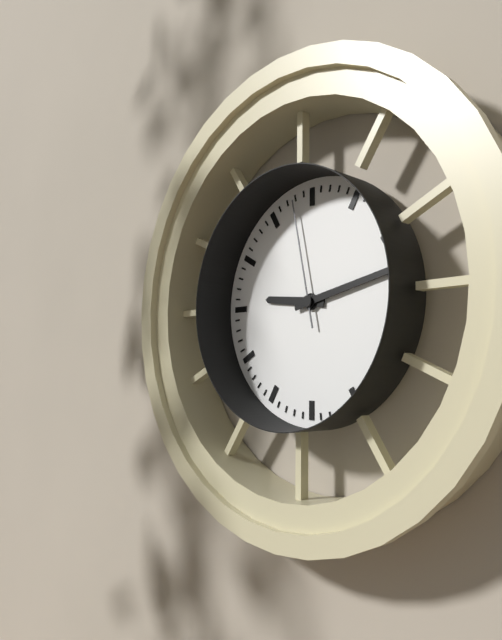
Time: h=9 m=13 s=58
